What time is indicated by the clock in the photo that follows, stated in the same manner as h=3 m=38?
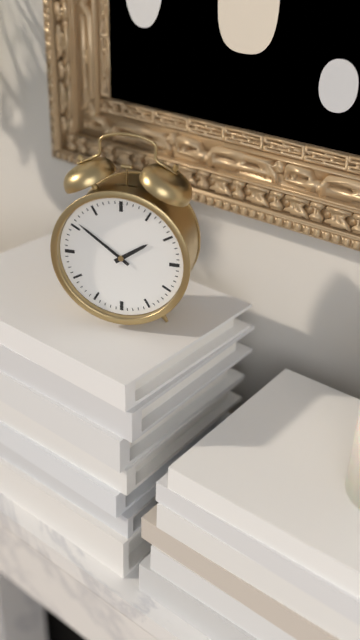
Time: h=1 m=51
